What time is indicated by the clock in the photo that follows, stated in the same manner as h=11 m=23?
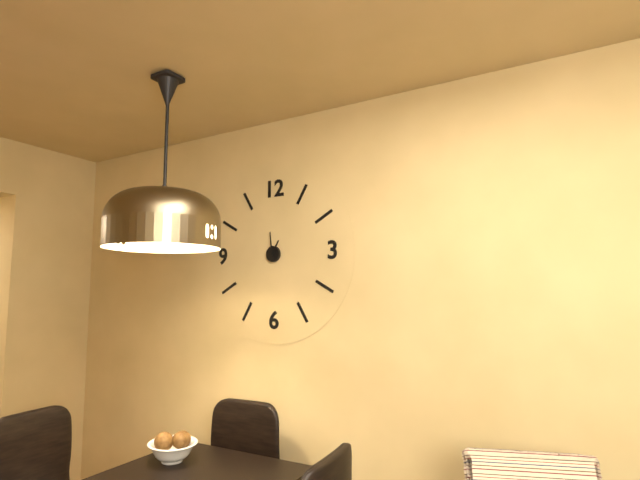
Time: h=12 m=59
